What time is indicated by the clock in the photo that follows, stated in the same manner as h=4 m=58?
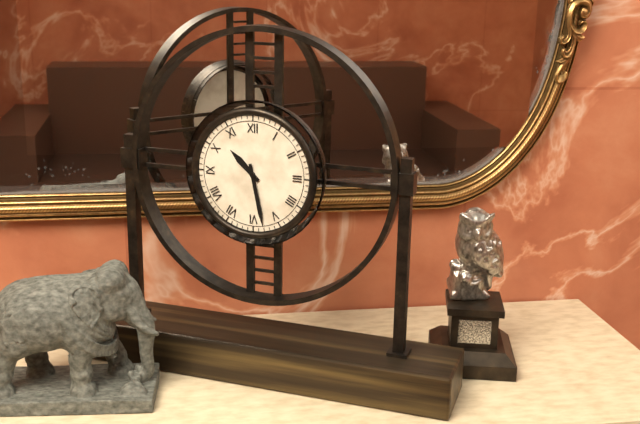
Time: h=10 m=28
